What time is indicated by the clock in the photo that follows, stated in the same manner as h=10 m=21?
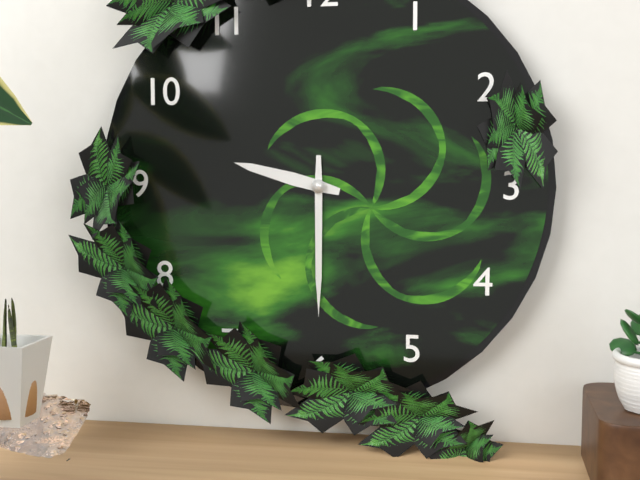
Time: h=9 m=30
